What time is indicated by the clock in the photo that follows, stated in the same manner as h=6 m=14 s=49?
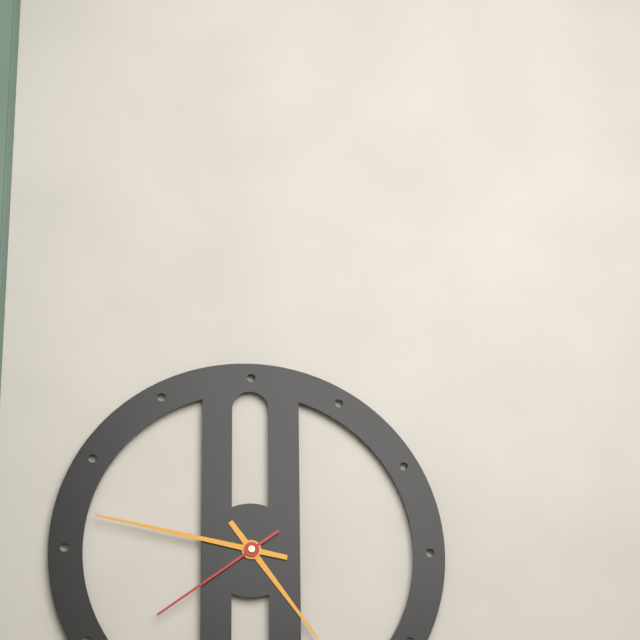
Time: h=4 m=47 s=39
